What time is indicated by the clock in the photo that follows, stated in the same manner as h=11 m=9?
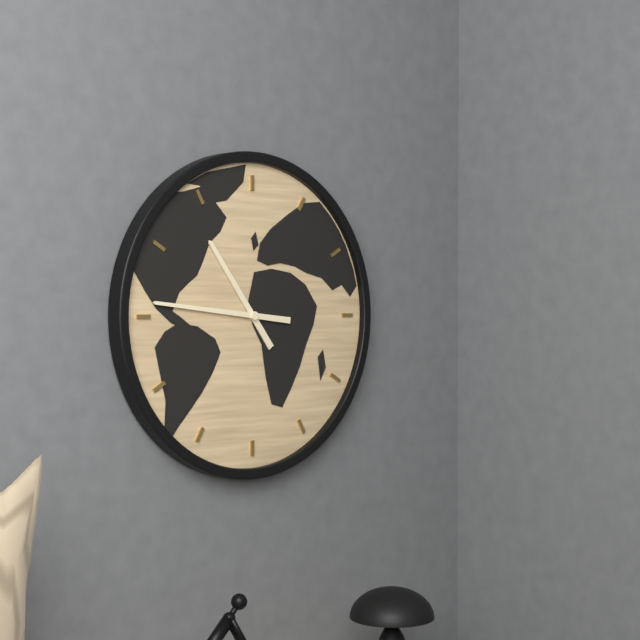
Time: h=10 m=46
